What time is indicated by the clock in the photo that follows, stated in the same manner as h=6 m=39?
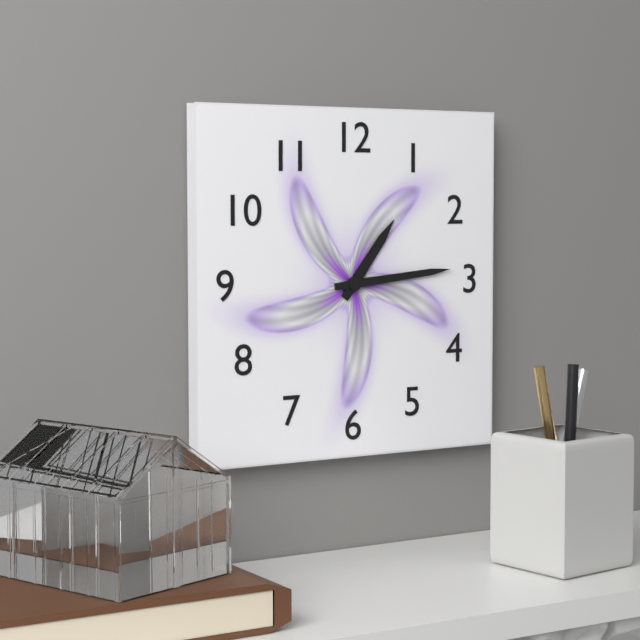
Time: h=1 m=14
